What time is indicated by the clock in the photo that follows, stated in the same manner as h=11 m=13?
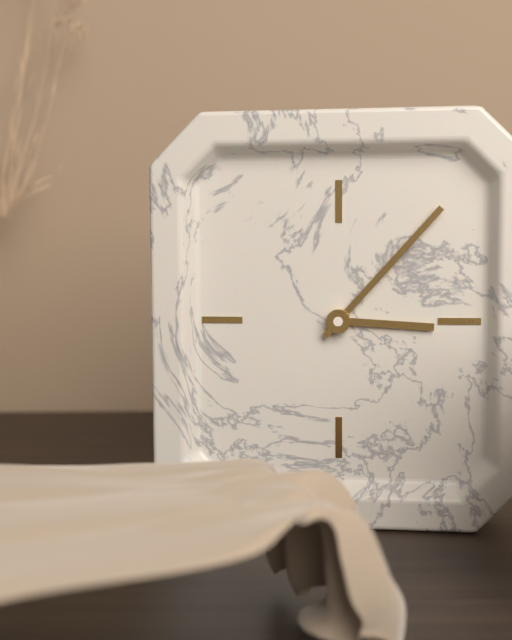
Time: h=3 m=7
